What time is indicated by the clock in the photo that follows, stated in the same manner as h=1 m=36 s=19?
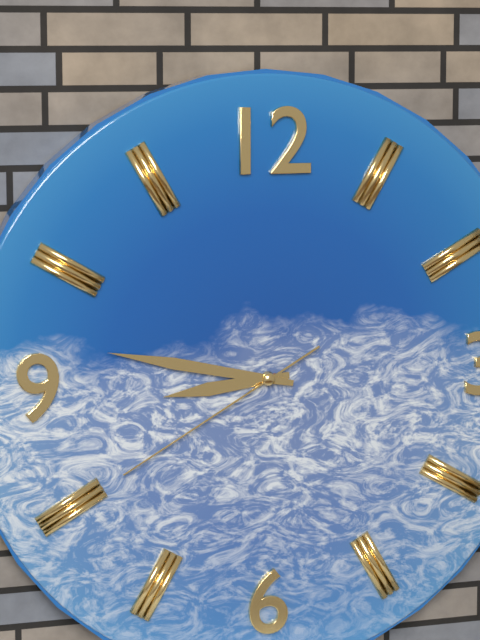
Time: h=8 m=47 s=40
